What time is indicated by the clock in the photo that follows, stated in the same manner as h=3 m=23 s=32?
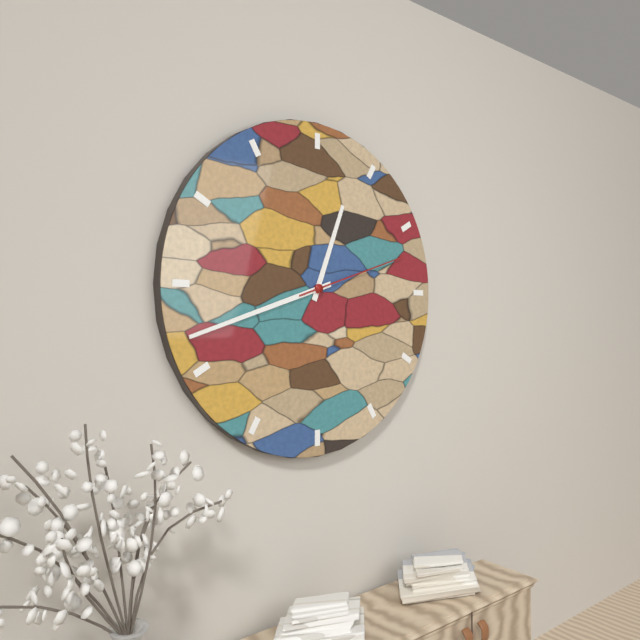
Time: h=12 m=42 s=12
